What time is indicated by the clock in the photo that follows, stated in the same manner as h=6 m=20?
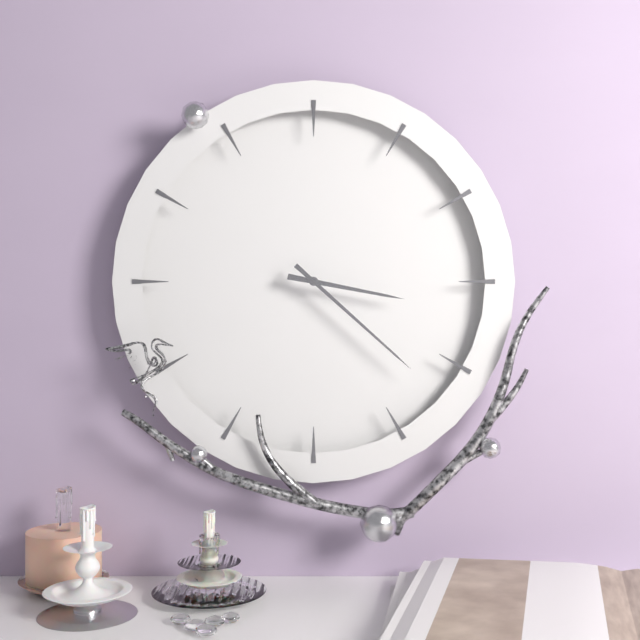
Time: h=3 m=22
